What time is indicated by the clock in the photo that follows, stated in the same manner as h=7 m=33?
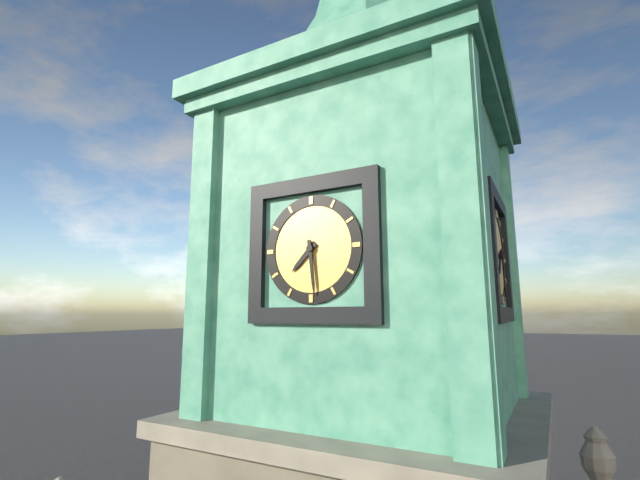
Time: h=7 m=29
